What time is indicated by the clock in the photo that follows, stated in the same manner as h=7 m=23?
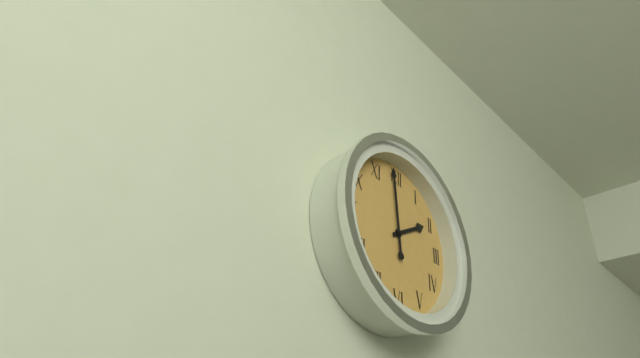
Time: h=1 m=59
